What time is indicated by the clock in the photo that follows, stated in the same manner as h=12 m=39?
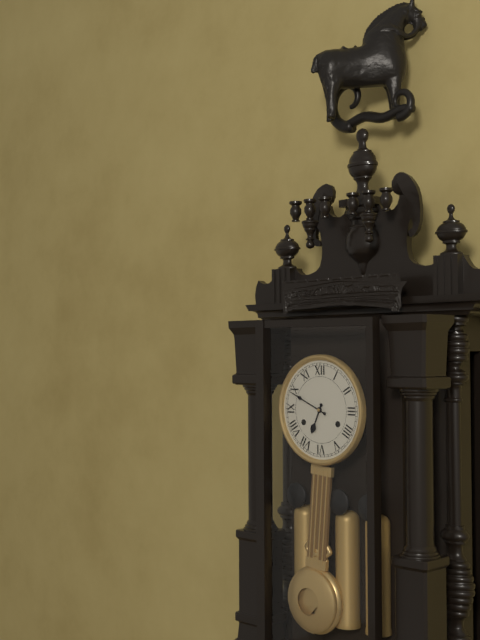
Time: h=6 m=49
